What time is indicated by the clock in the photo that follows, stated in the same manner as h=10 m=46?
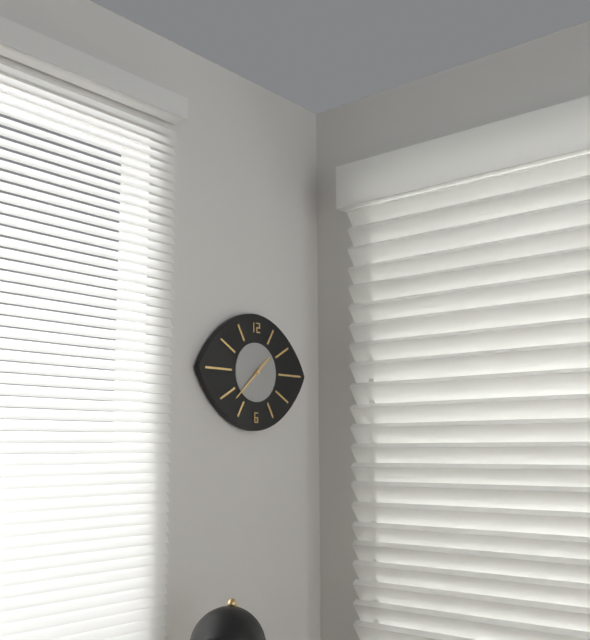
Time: h=1 m=38
